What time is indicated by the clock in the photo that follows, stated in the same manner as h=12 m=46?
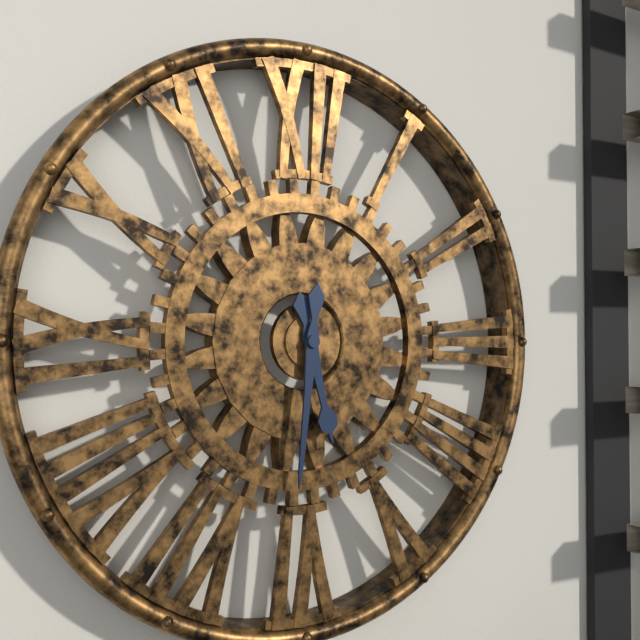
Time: h=5 m=31
